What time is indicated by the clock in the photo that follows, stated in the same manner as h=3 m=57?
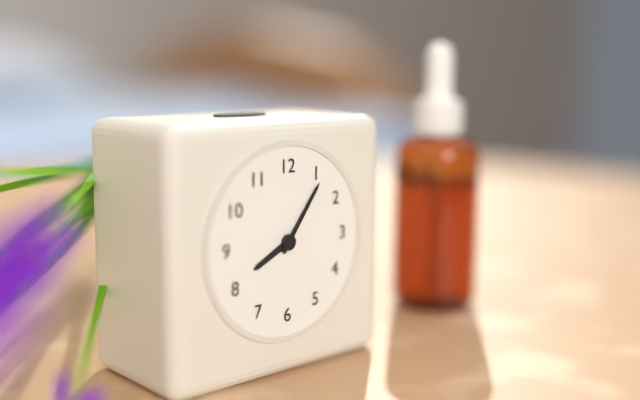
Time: h=8 m=6
